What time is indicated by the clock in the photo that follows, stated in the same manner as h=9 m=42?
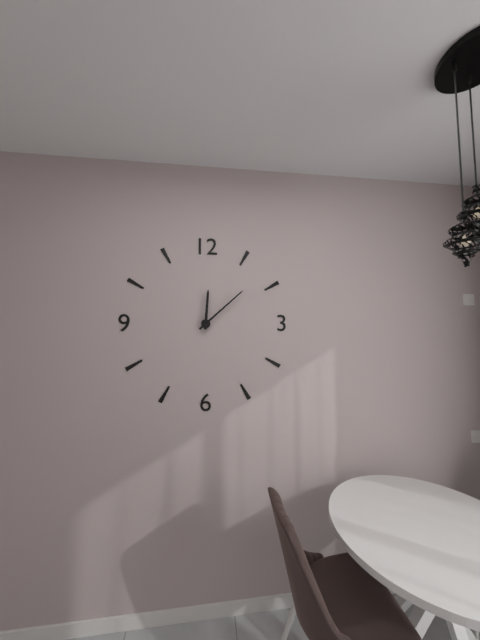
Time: h=12 m=8
